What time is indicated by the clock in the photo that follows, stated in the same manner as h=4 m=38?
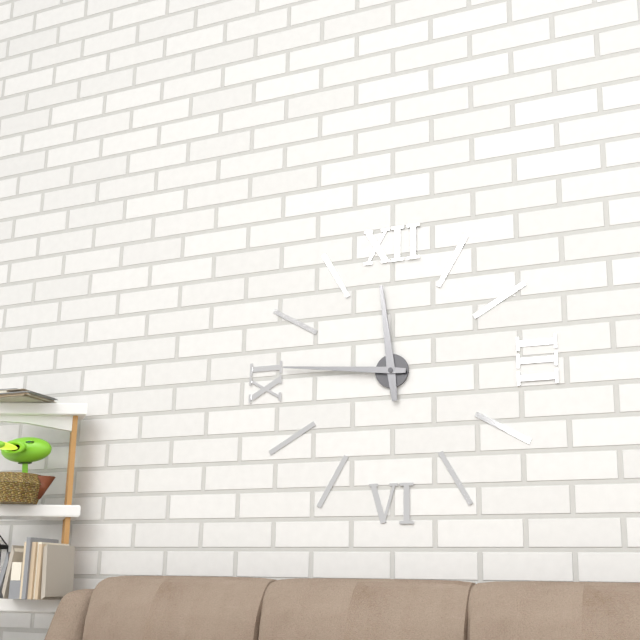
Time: h=11 m=46
